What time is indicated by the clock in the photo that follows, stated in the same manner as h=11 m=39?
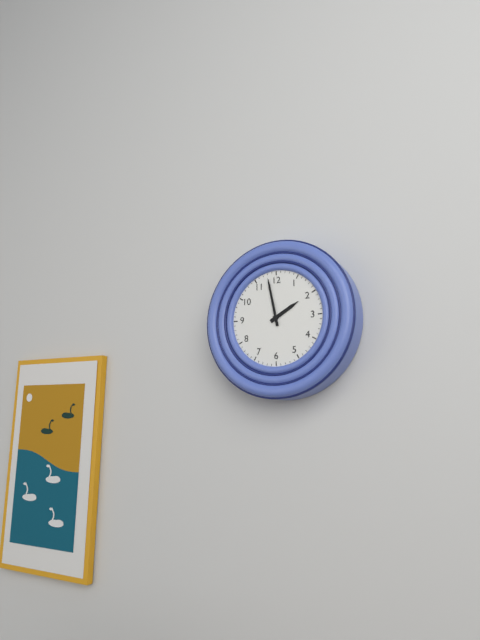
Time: h=1 m=58
